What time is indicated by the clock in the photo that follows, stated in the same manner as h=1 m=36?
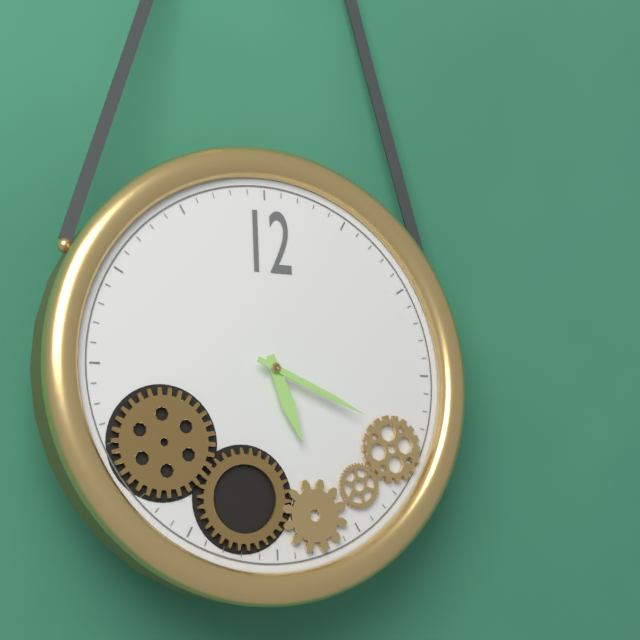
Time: h=5 m=19
